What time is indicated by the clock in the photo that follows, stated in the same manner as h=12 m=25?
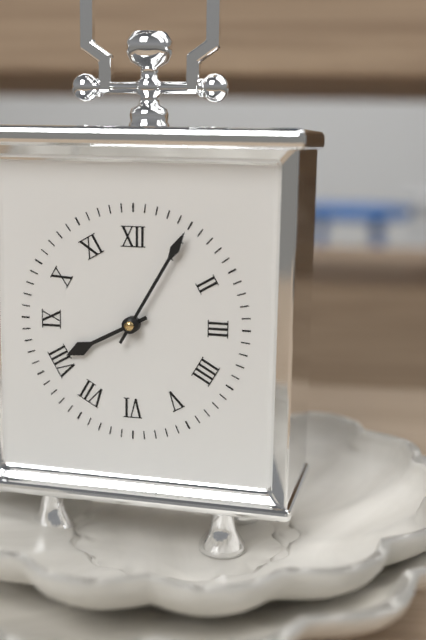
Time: h=8 m=5
